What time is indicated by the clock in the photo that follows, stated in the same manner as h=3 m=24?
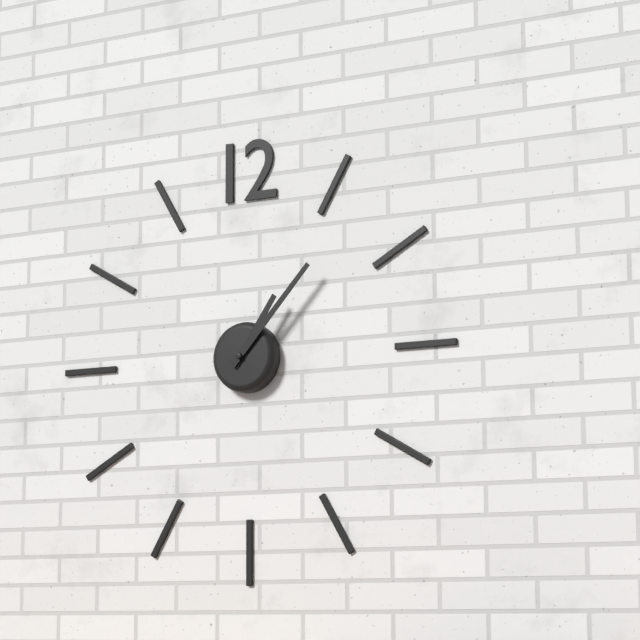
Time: h=1 m=7
